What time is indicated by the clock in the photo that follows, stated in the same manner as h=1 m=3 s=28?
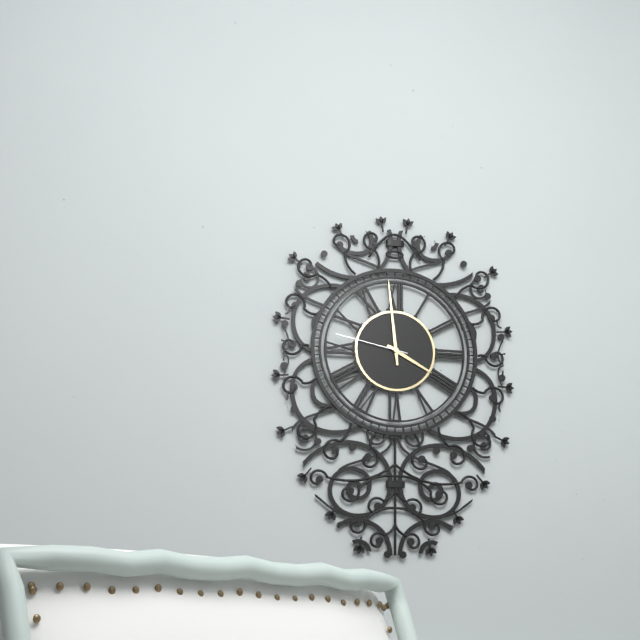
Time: h=3 m=59 s=47
